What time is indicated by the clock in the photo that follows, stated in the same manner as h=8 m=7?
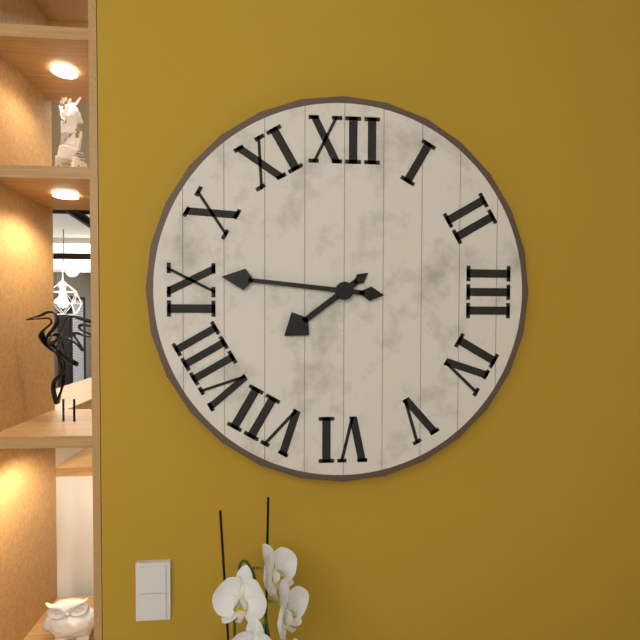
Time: h=7 m=46
